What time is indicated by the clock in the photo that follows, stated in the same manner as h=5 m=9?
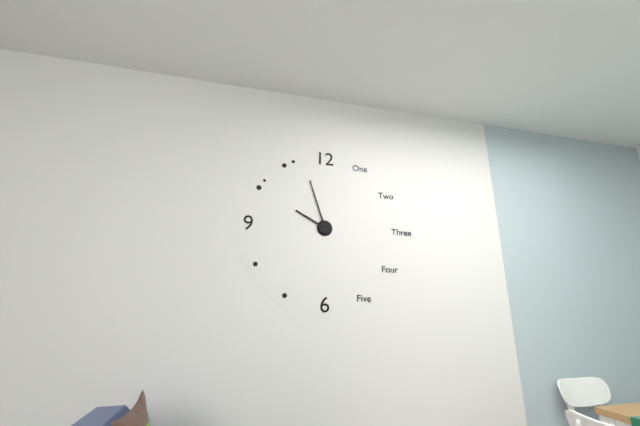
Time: h=9 m=57
